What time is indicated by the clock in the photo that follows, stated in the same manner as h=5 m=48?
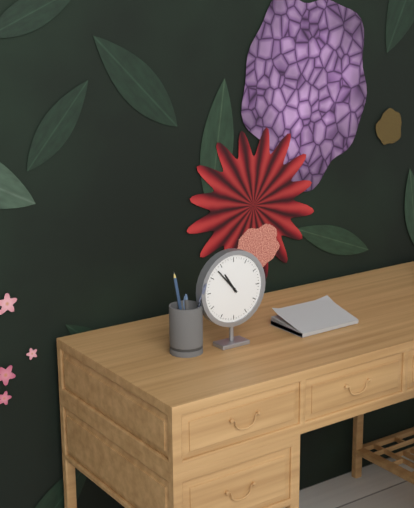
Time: h=10 m=53
